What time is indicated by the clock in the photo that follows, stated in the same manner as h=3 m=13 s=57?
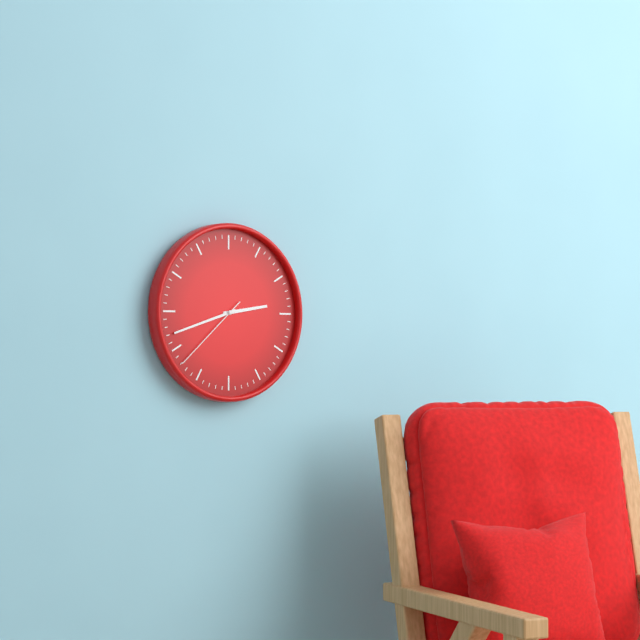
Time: h=2 m=42 s=38
